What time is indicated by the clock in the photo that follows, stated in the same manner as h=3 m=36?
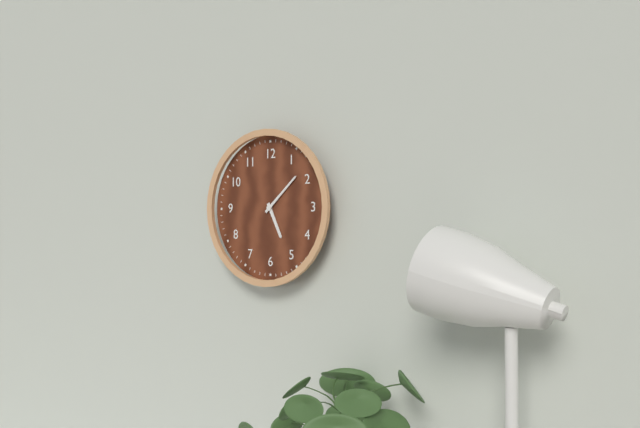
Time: h=5 m=8
